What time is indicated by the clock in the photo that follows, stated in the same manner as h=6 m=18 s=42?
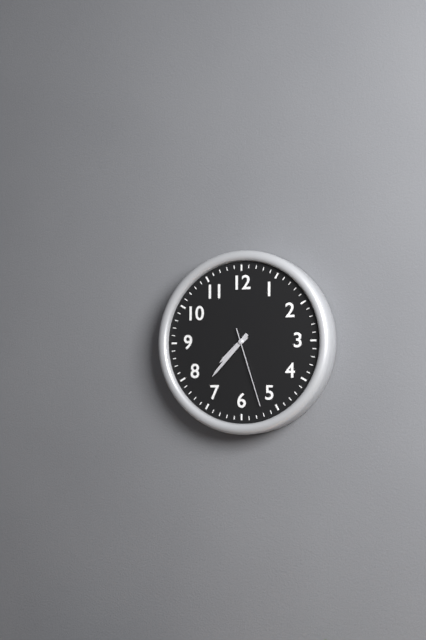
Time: h=7 m=37 s=27
